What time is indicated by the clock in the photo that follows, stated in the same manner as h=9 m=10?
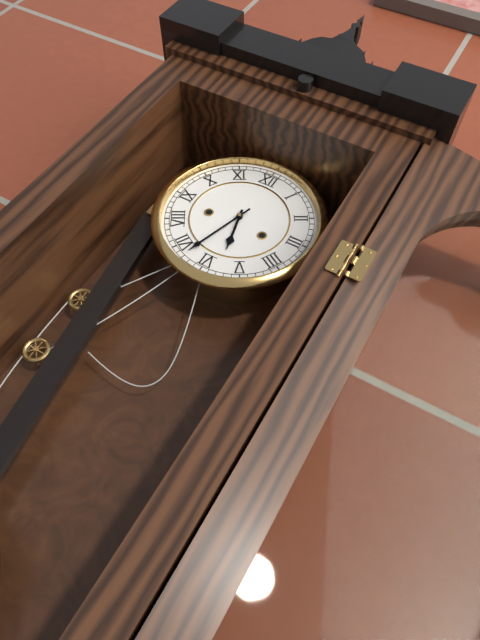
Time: h=5 m=33
